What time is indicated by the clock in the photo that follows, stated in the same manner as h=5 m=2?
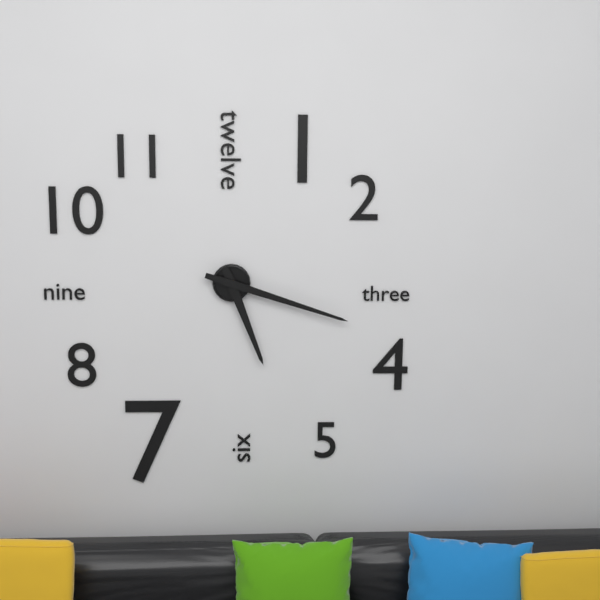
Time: h=5 m=18
